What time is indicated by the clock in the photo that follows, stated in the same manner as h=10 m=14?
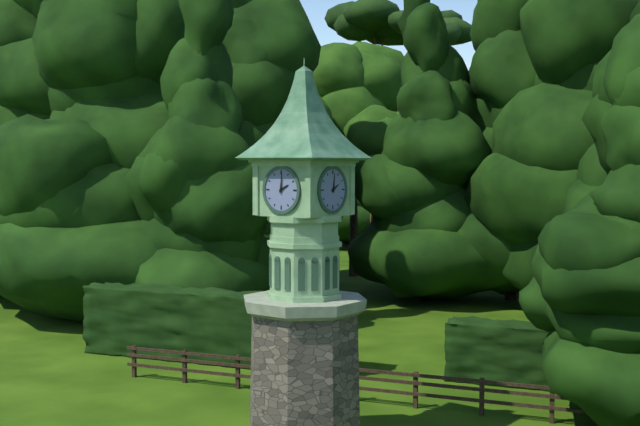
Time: h=2 m=1
